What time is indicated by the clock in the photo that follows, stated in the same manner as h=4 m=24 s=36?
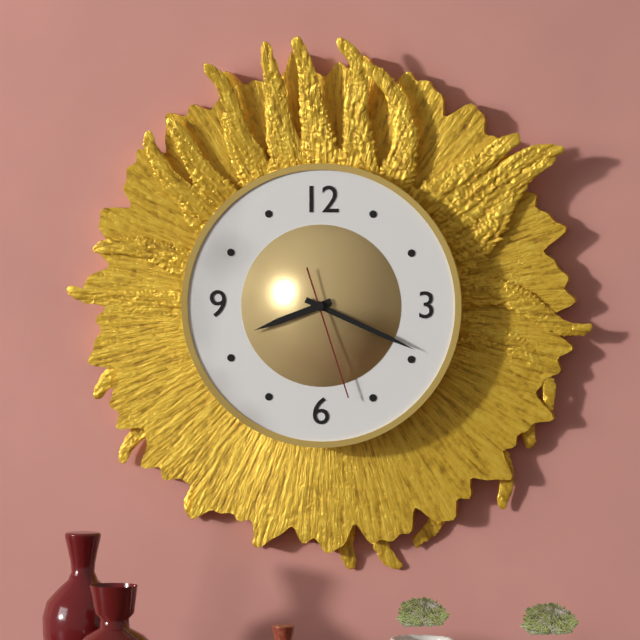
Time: h=8 m=19 s=27
